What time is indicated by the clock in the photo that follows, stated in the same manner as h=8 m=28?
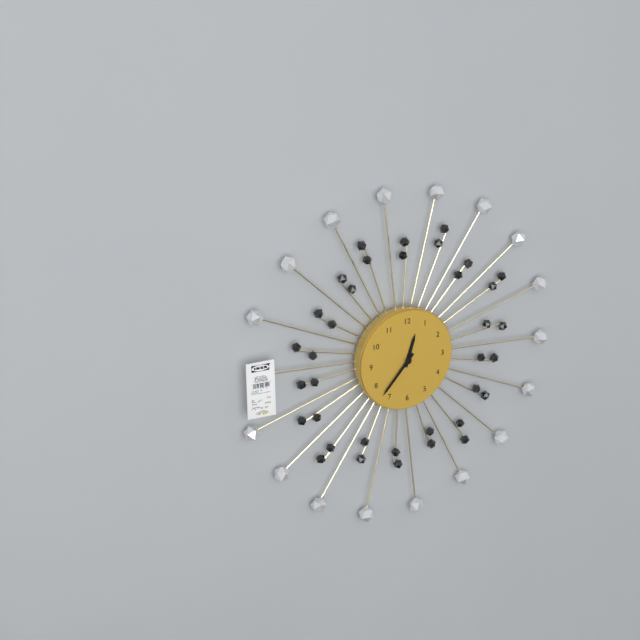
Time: h=12 m=37
